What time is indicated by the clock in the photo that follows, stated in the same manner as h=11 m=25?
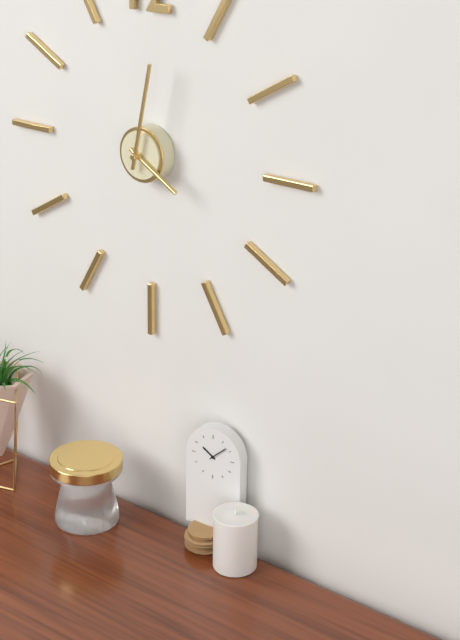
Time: h=4 m=2
